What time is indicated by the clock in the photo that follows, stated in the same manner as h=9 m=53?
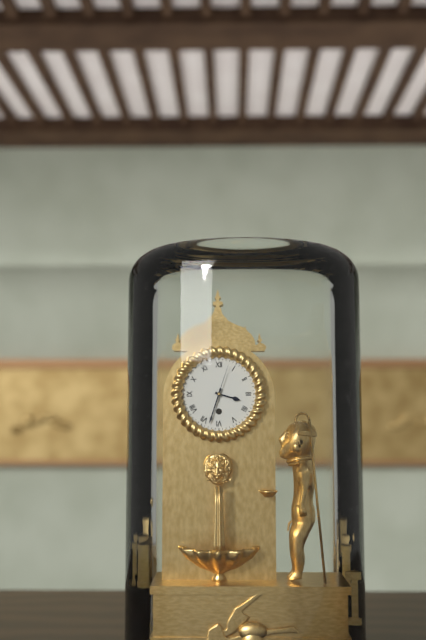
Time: h=3 m=33
